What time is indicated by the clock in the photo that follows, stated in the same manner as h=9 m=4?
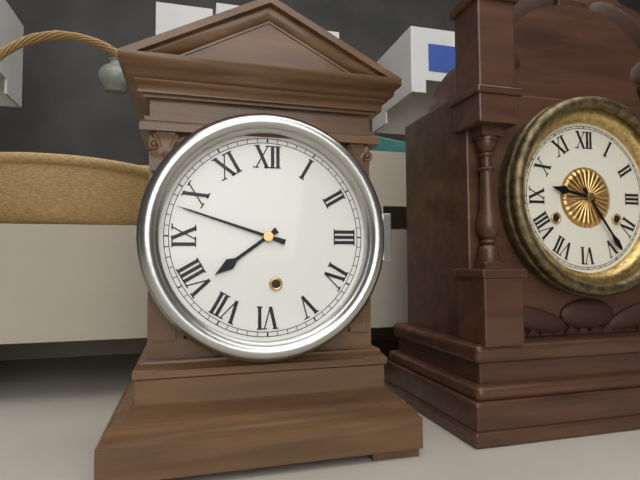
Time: h=7 m=48
